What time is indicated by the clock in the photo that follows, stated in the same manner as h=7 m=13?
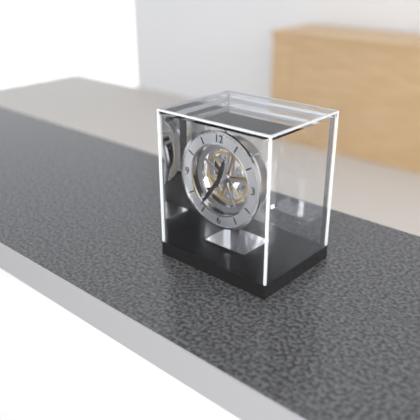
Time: h=12 m=36
